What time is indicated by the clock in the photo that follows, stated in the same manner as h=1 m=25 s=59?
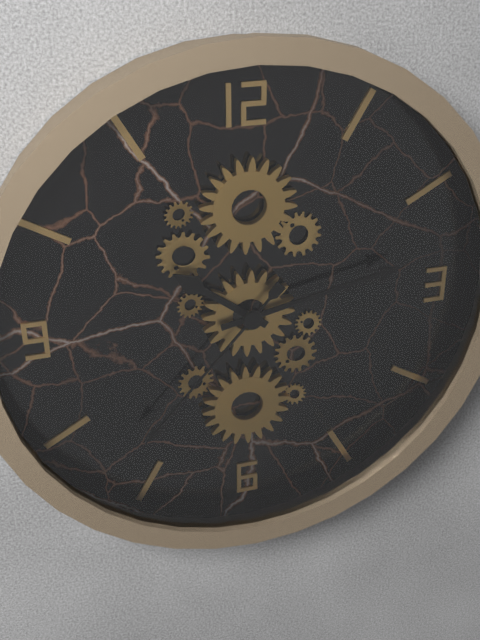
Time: h=10 m=13 s=37
